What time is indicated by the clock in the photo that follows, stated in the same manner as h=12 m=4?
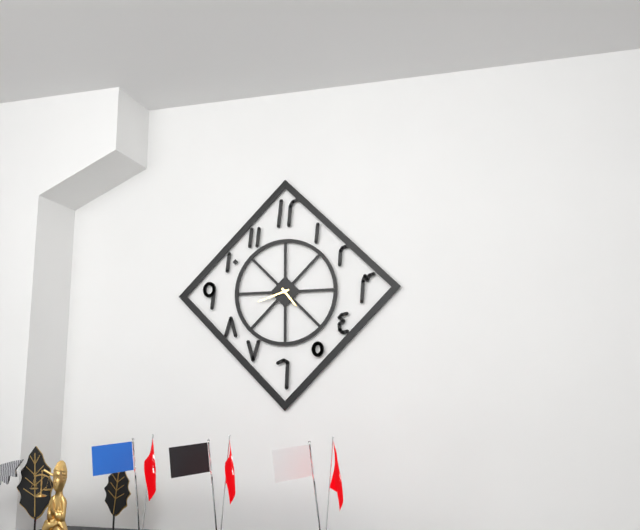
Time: h=4 m=42
